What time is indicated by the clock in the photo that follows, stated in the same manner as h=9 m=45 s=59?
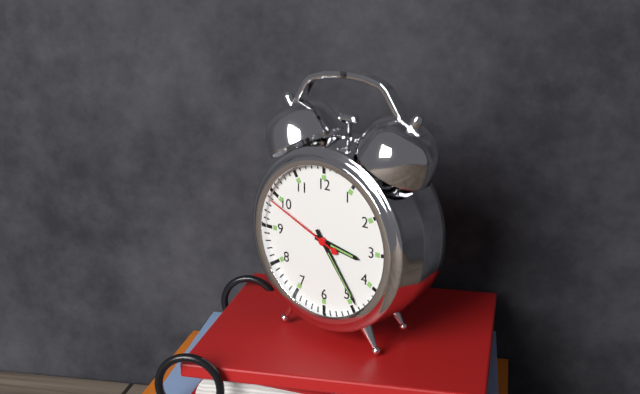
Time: h=3 m=24 s=49
